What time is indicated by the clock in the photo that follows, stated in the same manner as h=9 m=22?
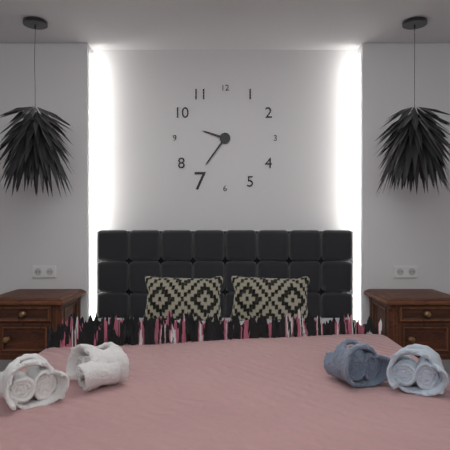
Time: h=9 m=36
